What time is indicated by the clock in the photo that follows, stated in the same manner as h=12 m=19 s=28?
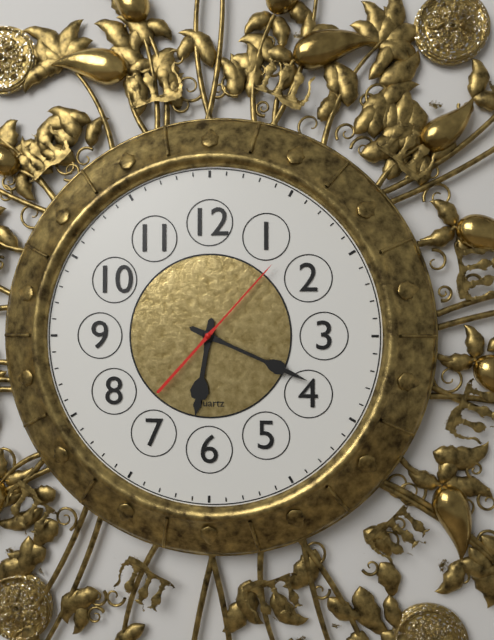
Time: h=6 m=19 s=7
